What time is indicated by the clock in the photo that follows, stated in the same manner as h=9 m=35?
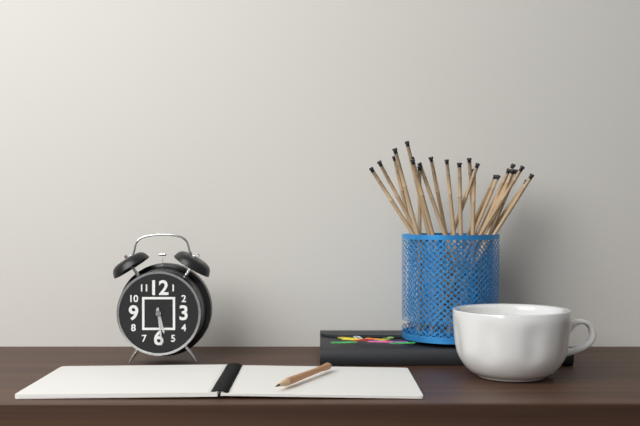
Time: h=5 m=29
